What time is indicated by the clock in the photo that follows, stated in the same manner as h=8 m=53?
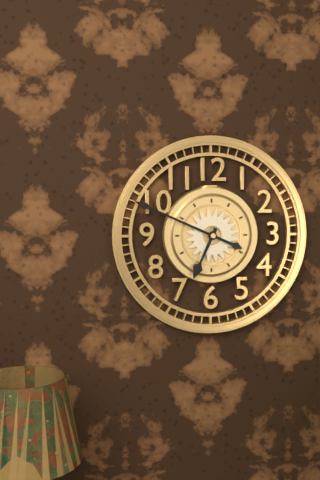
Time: h=6 m=49
